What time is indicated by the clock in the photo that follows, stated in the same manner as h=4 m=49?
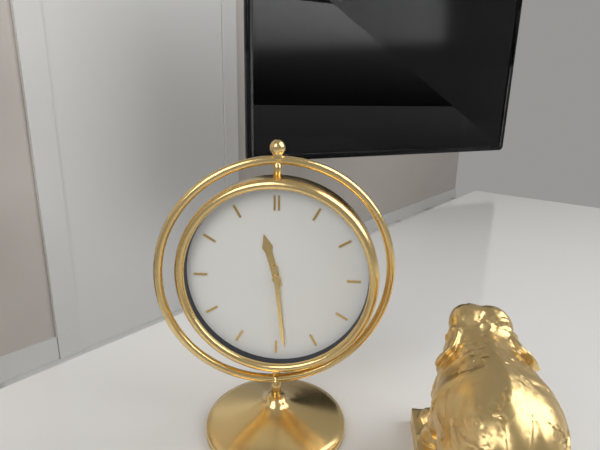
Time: h=11 m=29
